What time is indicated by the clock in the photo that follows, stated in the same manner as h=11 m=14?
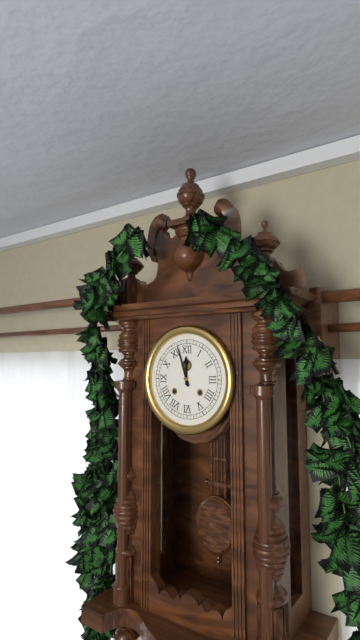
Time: h=11 m=57
